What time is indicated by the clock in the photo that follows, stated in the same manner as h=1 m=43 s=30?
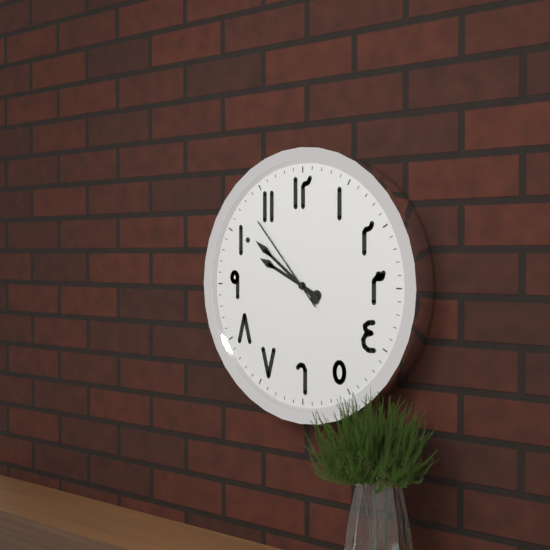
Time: h=9 m=51 s=53
